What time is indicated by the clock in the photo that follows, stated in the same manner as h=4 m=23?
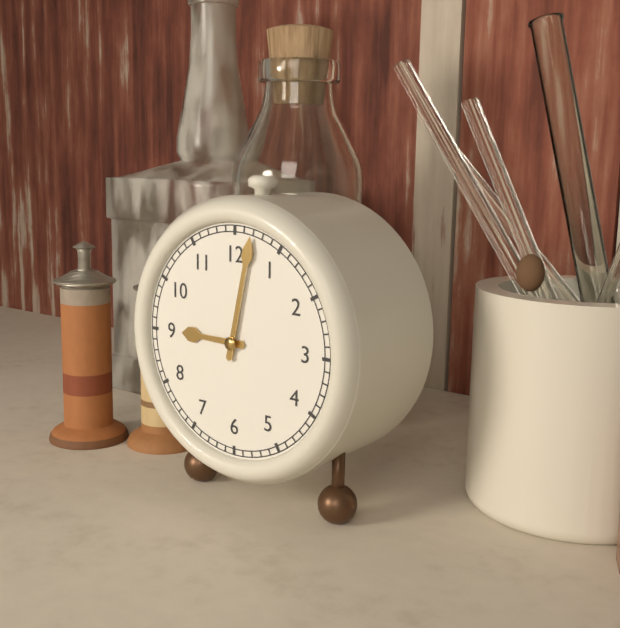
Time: h=9 m=2
